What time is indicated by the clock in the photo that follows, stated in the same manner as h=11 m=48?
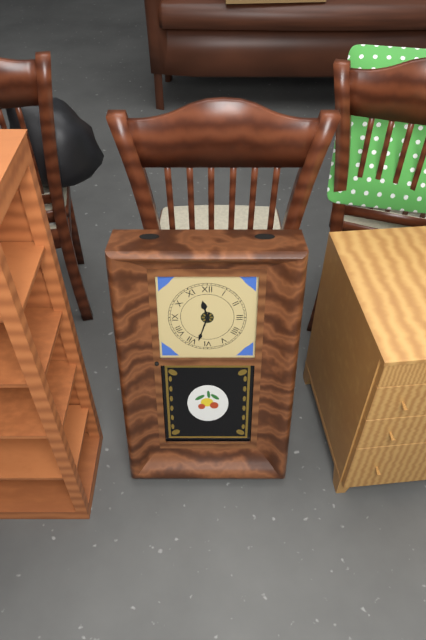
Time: h=11 m=33
